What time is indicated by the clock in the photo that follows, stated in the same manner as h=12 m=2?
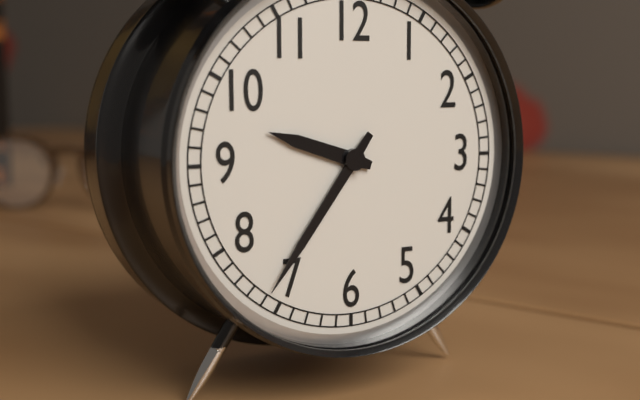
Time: h=9 m=36
